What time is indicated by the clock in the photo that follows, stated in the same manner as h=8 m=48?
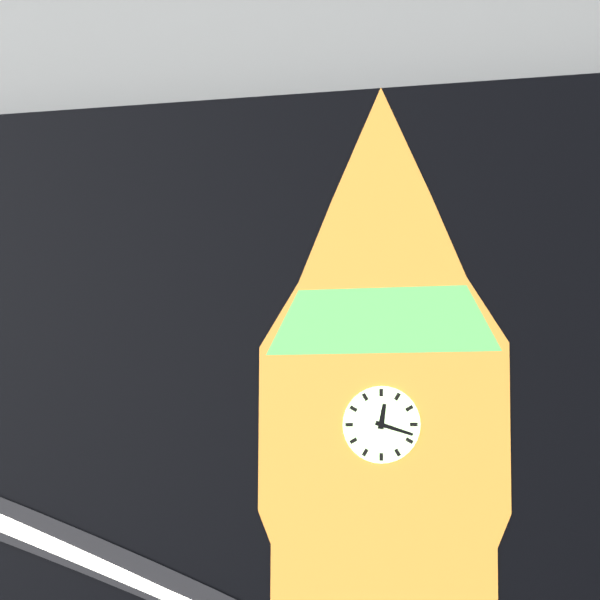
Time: h=12 m=18
